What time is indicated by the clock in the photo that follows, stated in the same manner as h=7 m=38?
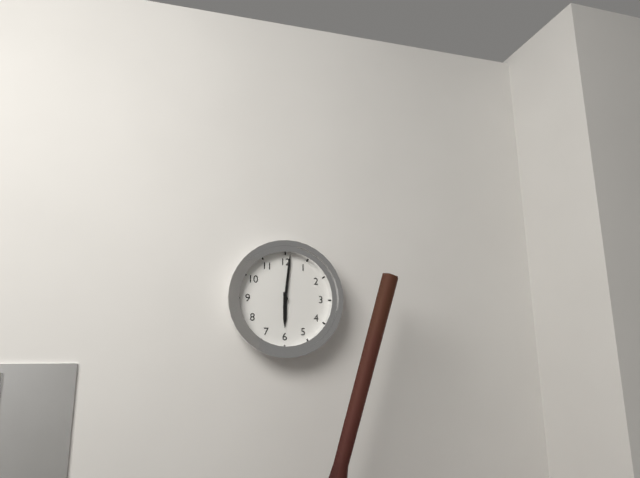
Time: h=6 m=1
